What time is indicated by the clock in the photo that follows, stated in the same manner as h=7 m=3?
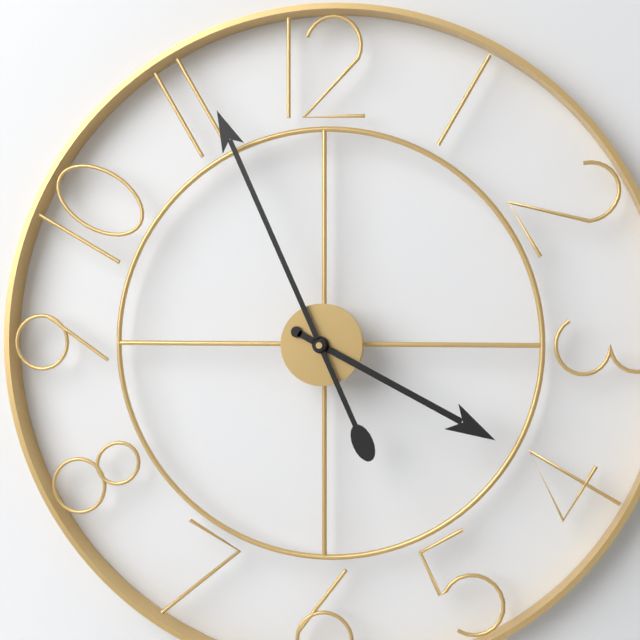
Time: h=3 m=56
